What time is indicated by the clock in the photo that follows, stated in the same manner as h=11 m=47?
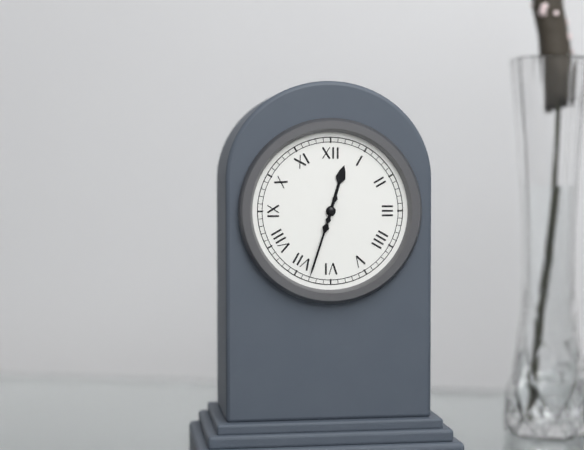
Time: h=12 m=33
